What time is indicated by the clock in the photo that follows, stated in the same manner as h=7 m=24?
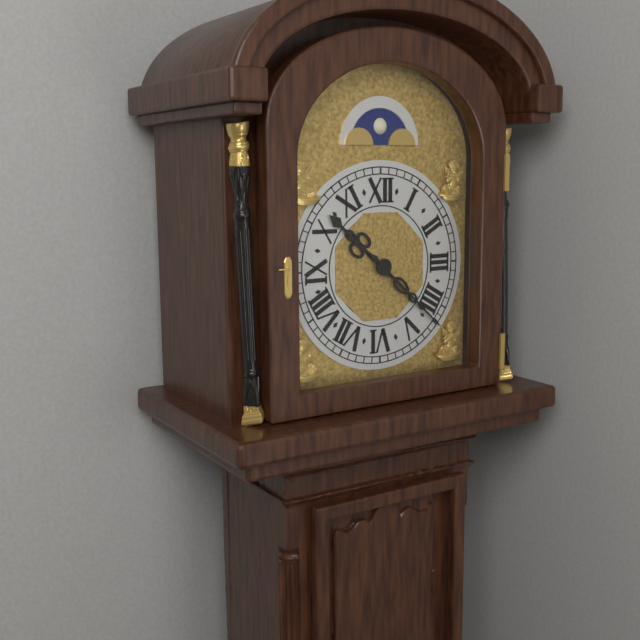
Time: h=10 m=22
